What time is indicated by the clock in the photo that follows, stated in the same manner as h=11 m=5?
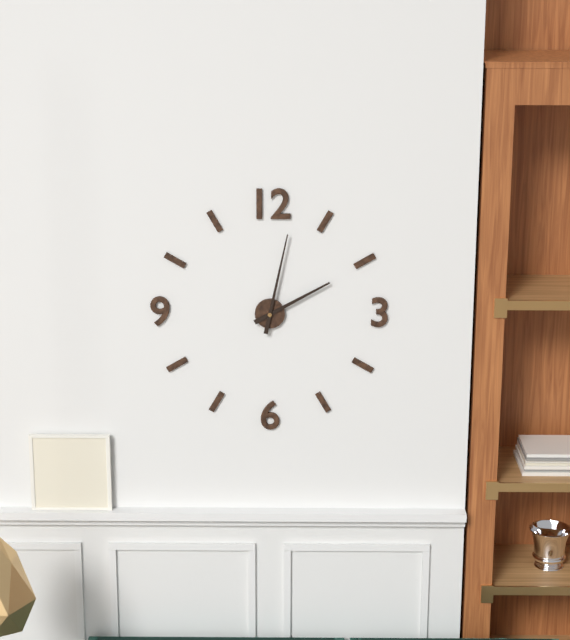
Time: h=2 m=2
